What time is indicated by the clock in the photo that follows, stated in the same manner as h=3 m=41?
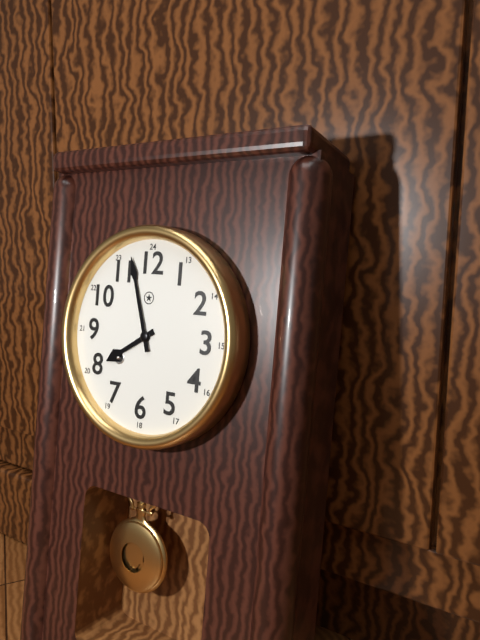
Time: h=7 m=57
